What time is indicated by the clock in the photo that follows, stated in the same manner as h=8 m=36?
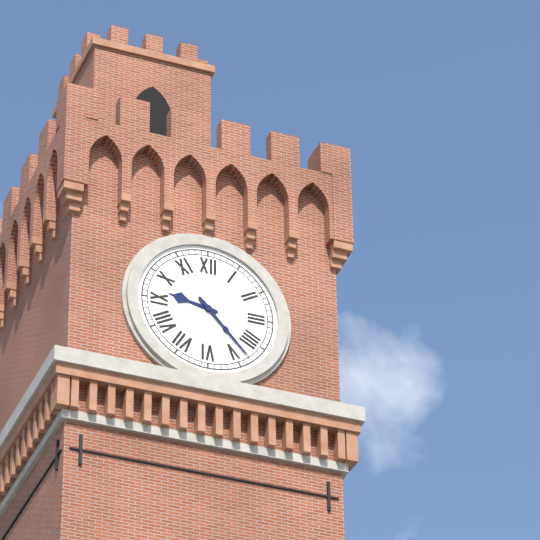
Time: h=9 m=23
